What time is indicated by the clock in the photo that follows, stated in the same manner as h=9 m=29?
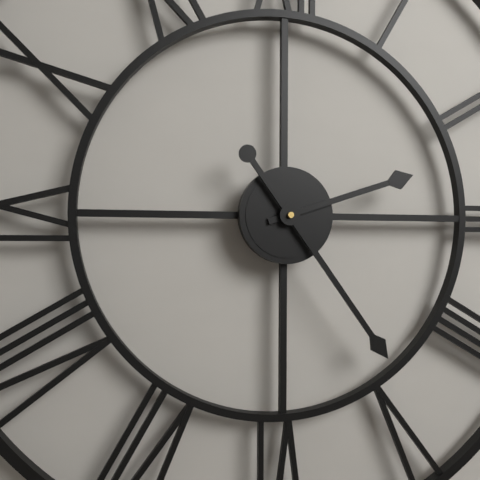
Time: h=2 m=24
